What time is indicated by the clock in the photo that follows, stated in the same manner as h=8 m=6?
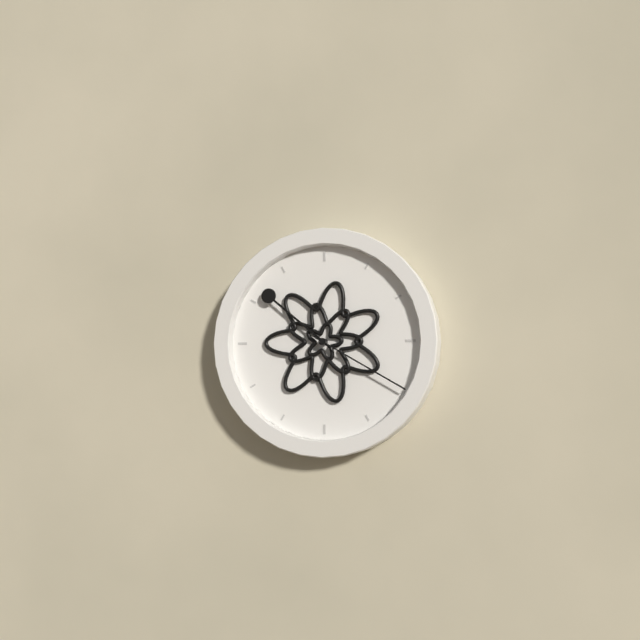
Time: h=10 m=20
